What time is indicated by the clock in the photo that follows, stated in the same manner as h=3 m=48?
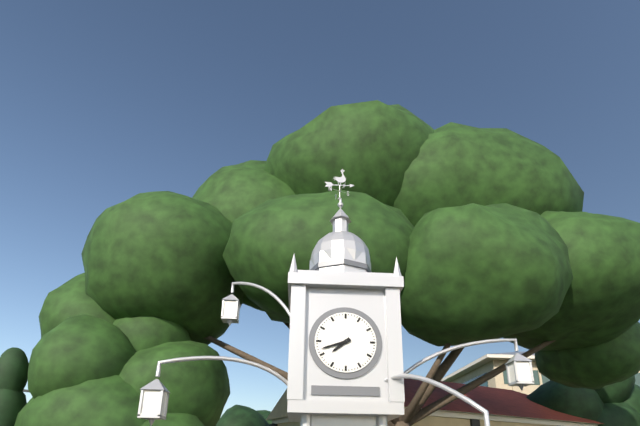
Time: h=7 m=42
